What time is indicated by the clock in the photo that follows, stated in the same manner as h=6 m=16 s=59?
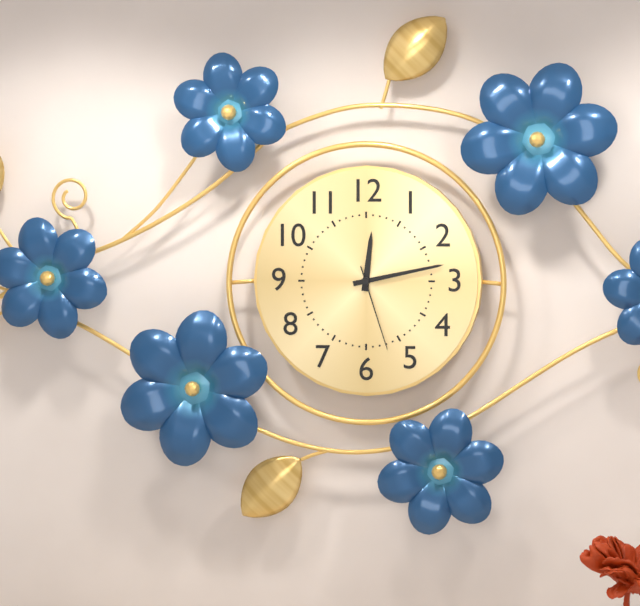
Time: h=12 m=13 s=27
